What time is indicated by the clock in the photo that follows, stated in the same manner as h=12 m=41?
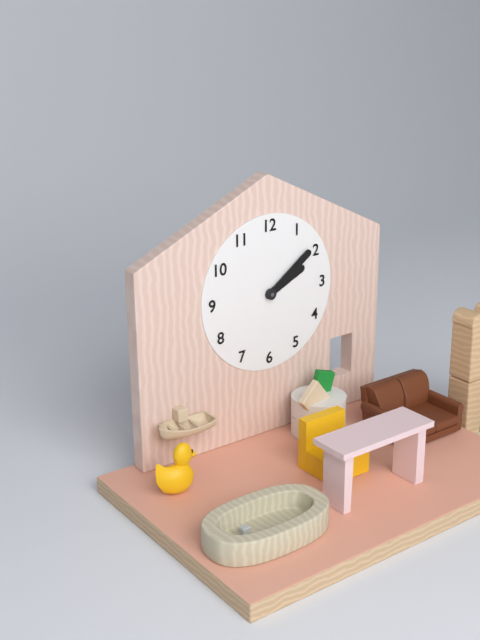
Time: h=2 m=9
